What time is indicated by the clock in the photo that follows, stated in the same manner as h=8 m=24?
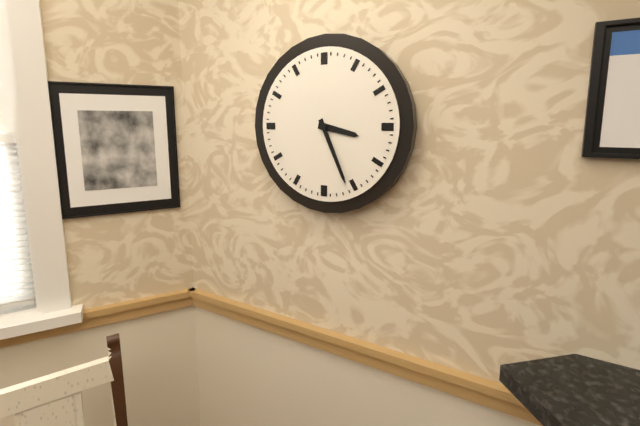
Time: h=3 m=26
